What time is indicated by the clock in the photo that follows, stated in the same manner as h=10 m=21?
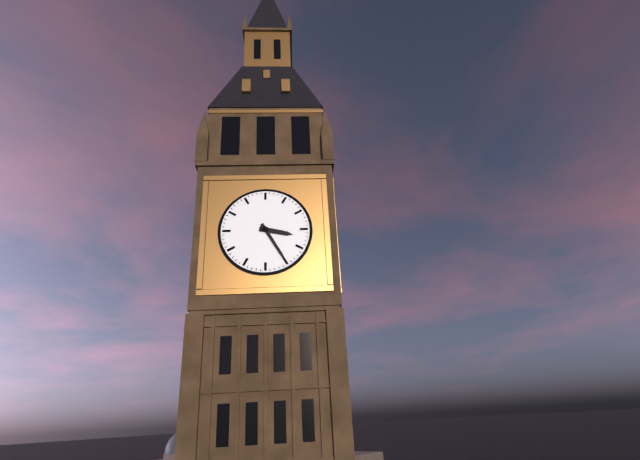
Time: h=3 m=25
